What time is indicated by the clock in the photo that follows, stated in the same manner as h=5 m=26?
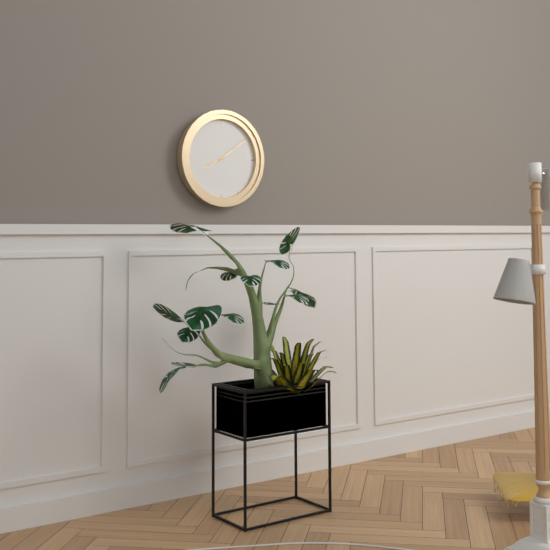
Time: h=8 m=9
